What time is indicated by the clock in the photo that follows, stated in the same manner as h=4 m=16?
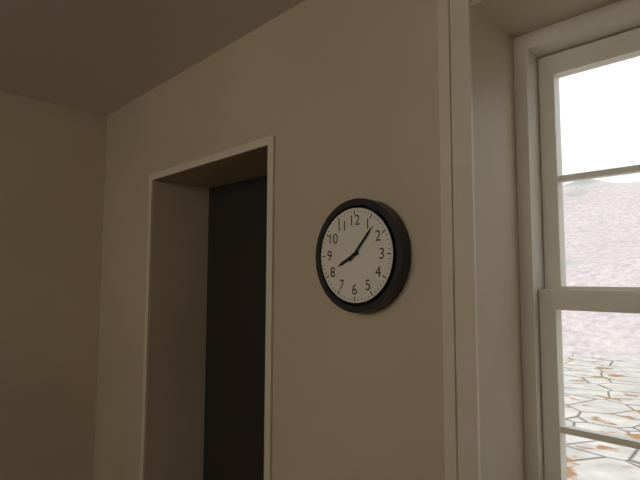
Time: h=8 m=7
